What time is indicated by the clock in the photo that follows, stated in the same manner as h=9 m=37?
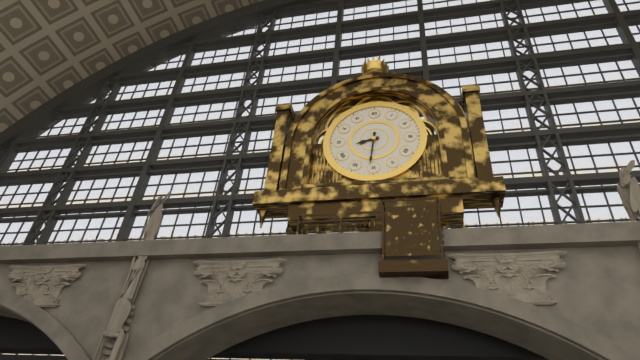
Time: h=8 m=31
